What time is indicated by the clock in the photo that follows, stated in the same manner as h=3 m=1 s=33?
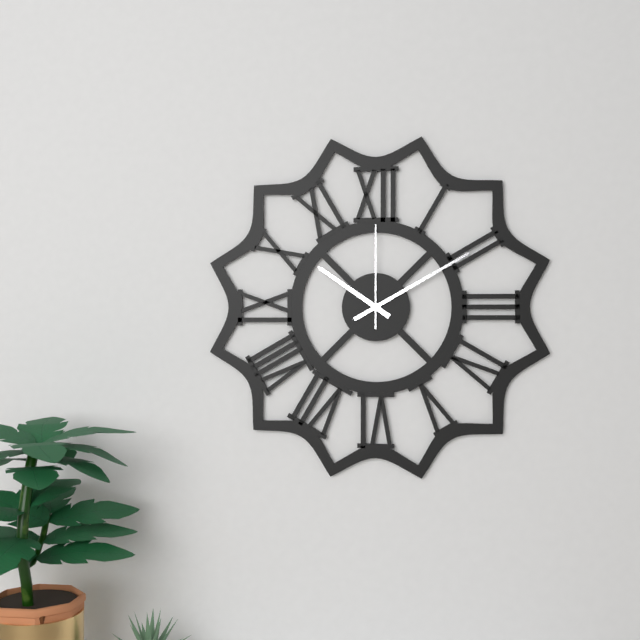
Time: h=10 m=10 s=0
